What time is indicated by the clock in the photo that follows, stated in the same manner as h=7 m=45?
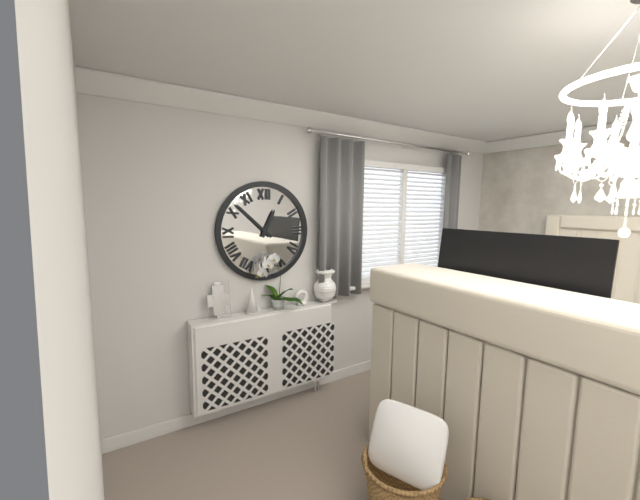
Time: h=12 m=52
